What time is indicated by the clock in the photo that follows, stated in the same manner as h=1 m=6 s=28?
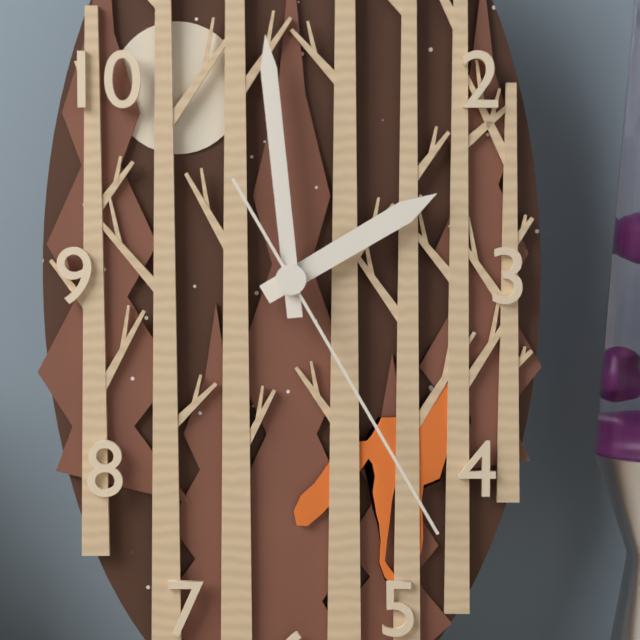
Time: h=1 m=59 s=25
